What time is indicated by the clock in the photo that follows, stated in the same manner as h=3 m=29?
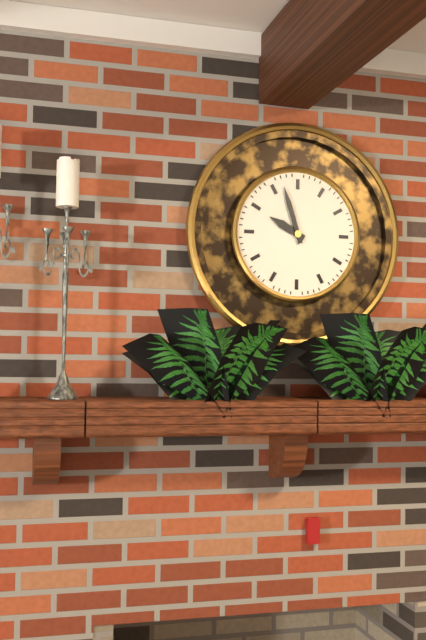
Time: h=9 m=57
